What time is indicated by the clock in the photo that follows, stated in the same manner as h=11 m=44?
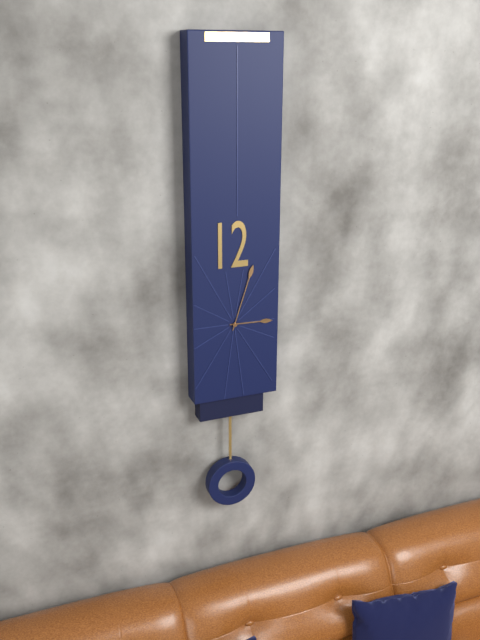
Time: h=3 m=3
